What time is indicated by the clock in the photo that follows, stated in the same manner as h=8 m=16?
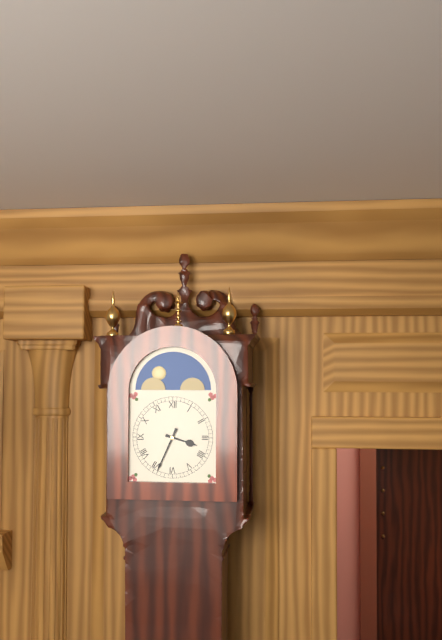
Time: h=3 m=34
